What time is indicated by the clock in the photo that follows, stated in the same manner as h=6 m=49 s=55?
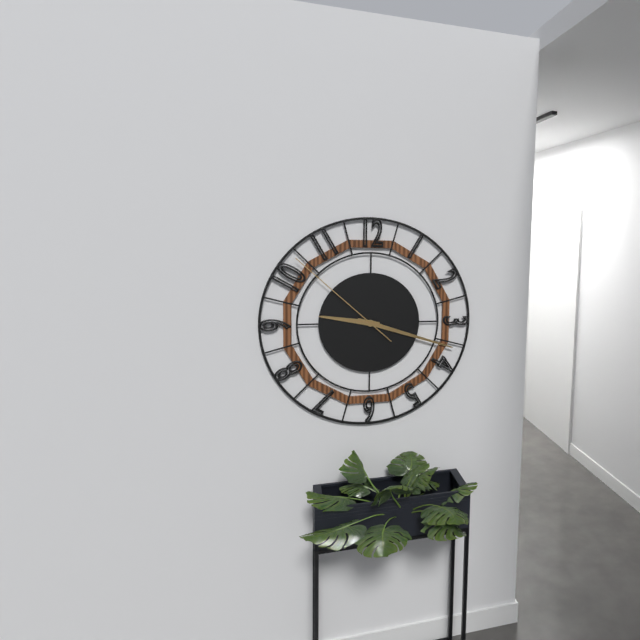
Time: h=9 m=18 s=52
